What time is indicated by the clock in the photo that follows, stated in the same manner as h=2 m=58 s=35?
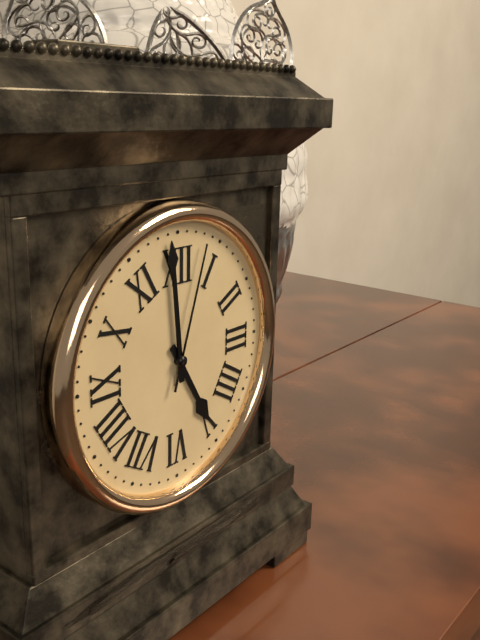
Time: h=4 m=59 s=3
